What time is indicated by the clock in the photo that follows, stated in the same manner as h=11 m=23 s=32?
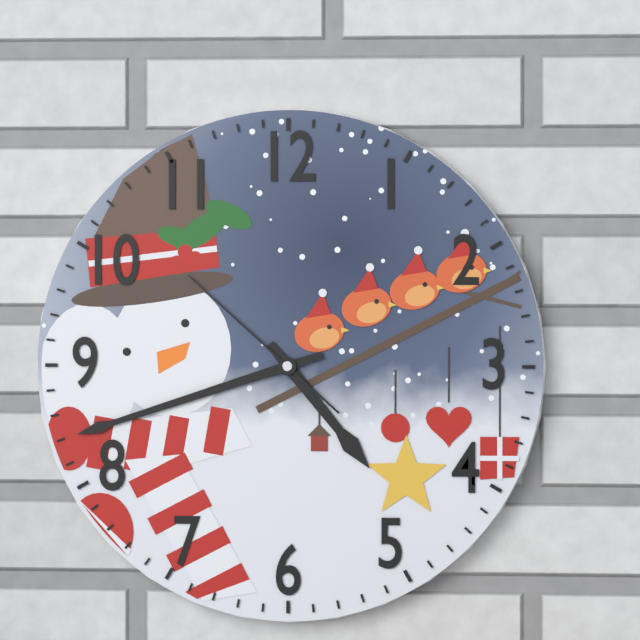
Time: h=4 m=42 s=52
